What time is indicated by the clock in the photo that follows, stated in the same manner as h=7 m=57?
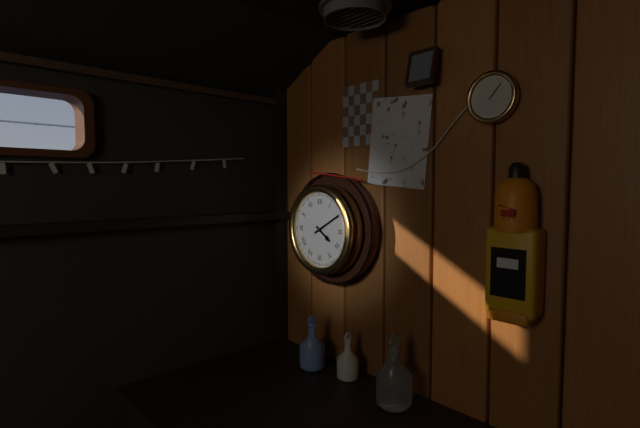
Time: h=4 m=10
